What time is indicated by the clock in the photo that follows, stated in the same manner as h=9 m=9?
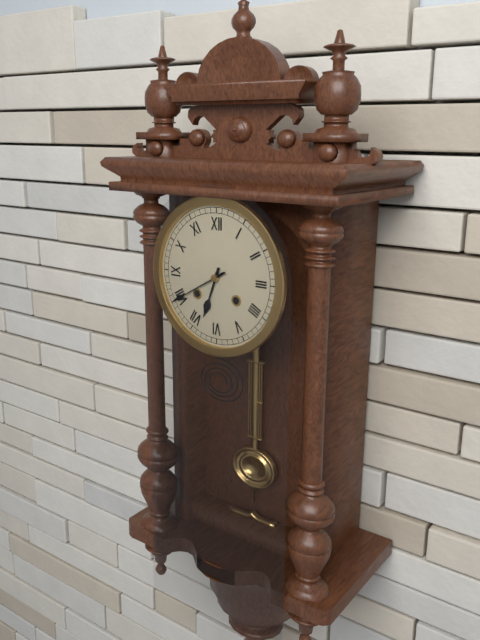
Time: h=6 m=40
